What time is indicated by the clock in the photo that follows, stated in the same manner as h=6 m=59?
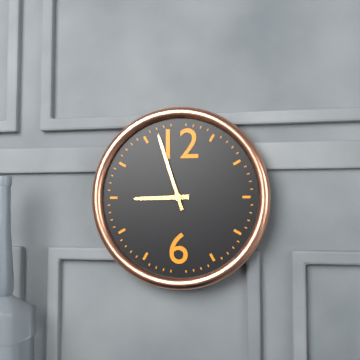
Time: h=8 m=57
